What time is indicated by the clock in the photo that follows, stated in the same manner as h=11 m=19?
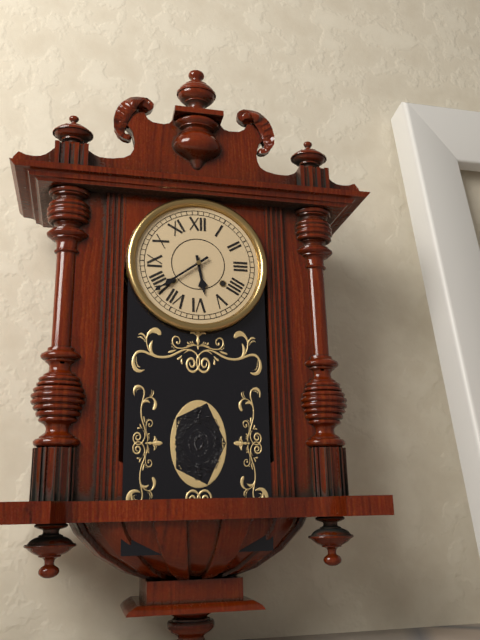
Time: h=5 m=39
